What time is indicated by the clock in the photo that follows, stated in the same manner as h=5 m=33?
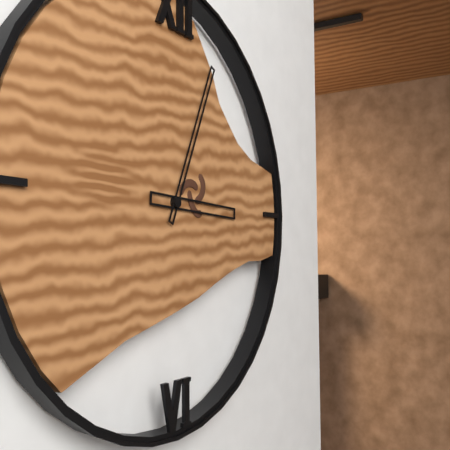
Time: h=3 m=4
